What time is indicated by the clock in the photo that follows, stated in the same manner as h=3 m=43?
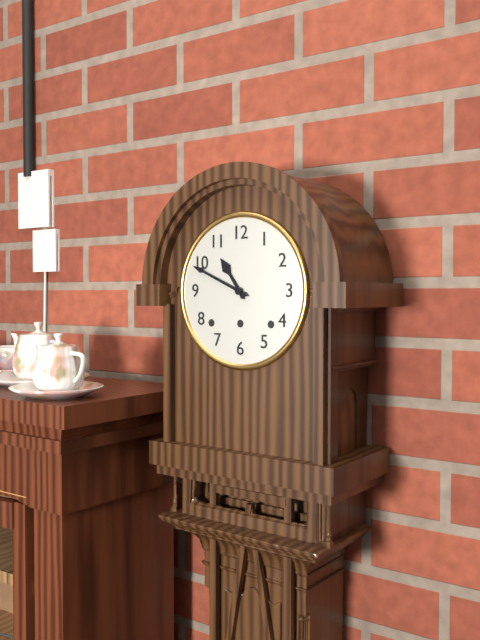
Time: h=10 m=49
